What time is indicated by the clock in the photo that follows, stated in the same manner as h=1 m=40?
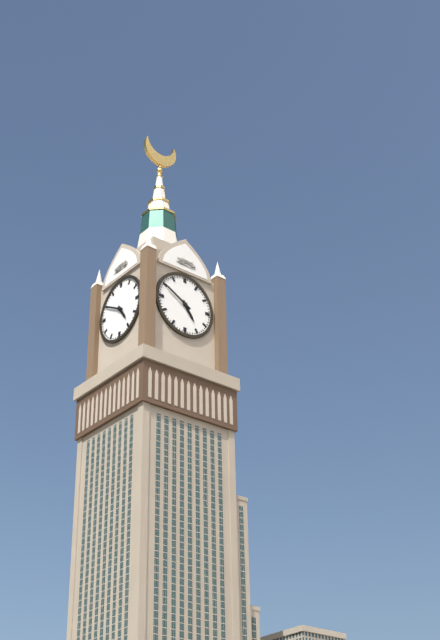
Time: h=4 m=50
